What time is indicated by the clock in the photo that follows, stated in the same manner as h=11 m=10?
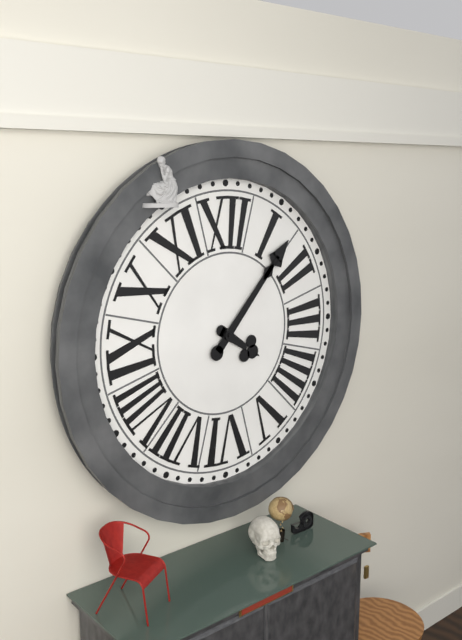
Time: h=4 m=7
